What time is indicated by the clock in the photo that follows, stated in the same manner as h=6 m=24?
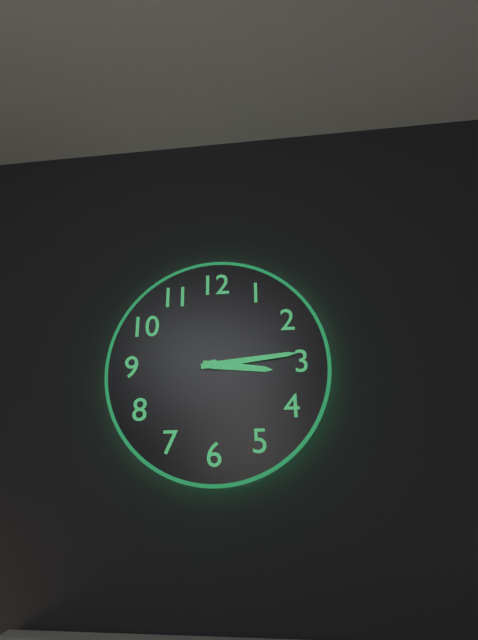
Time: h=3 m=14
